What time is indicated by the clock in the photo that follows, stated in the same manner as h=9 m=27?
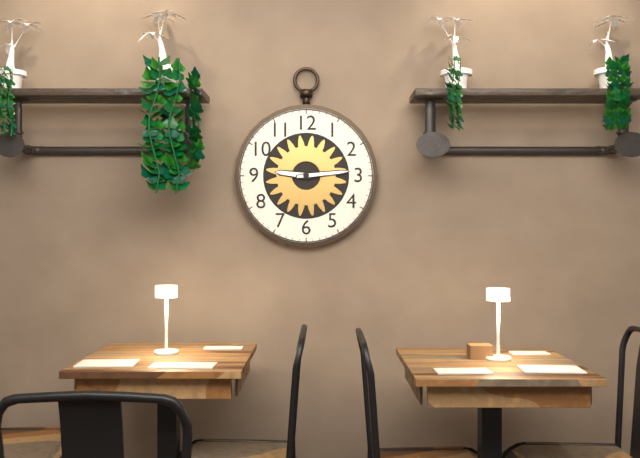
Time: h=9 m=14
